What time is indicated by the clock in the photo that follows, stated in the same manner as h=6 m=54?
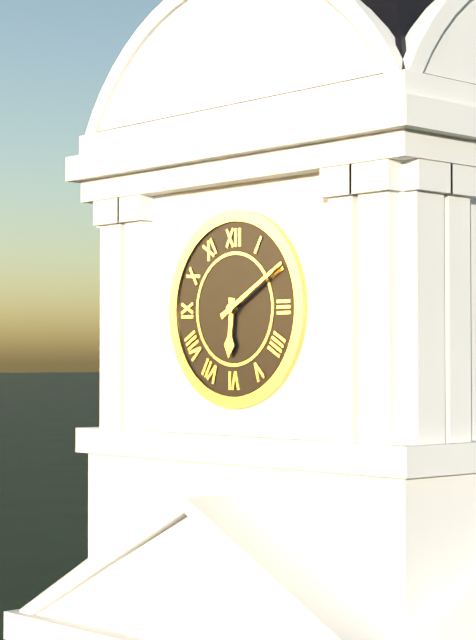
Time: h=6 m=10
